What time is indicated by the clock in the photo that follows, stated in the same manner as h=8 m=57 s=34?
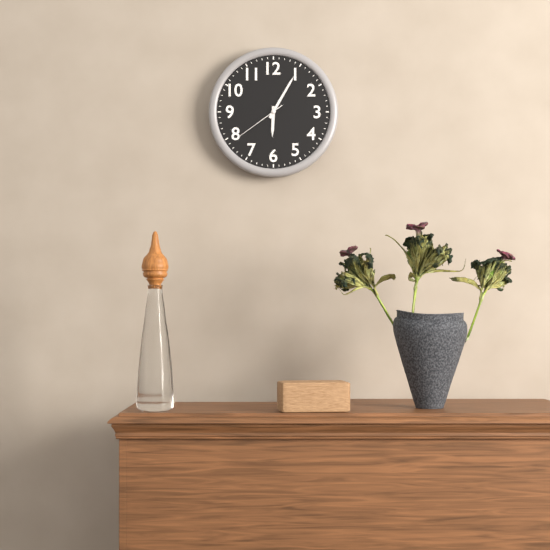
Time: h=6 m=5 s=39
